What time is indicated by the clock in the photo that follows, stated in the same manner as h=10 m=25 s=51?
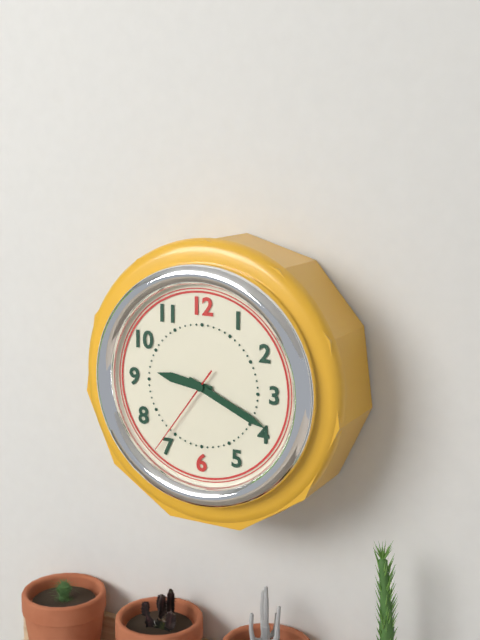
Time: h=9 m=19 s=36
